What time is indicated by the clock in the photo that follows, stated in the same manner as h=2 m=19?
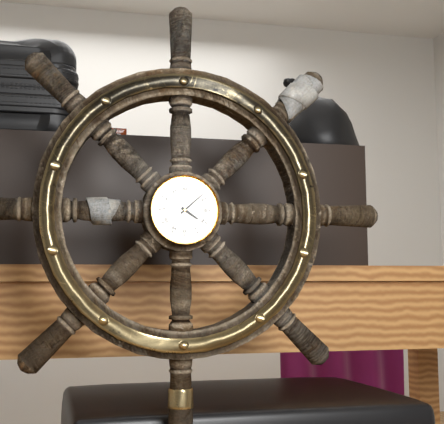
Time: h=4 m=8
